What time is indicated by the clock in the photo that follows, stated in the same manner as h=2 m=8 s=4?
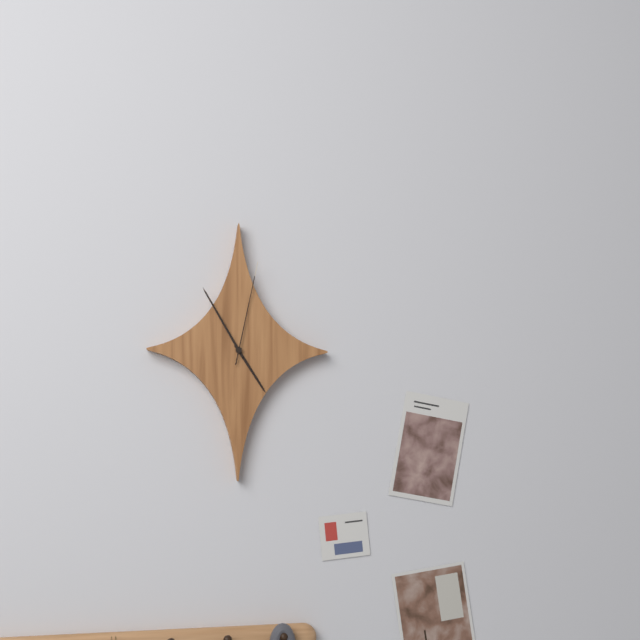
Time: h=4 m=55 s=2
